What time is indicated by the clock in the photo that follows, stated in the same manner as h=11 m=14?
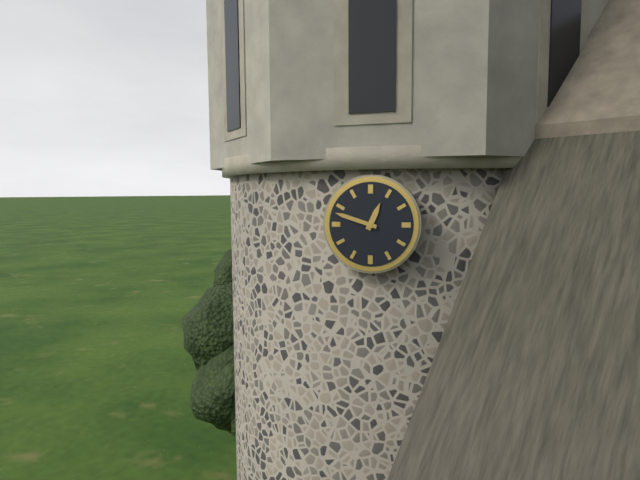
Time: h=12 m=48
